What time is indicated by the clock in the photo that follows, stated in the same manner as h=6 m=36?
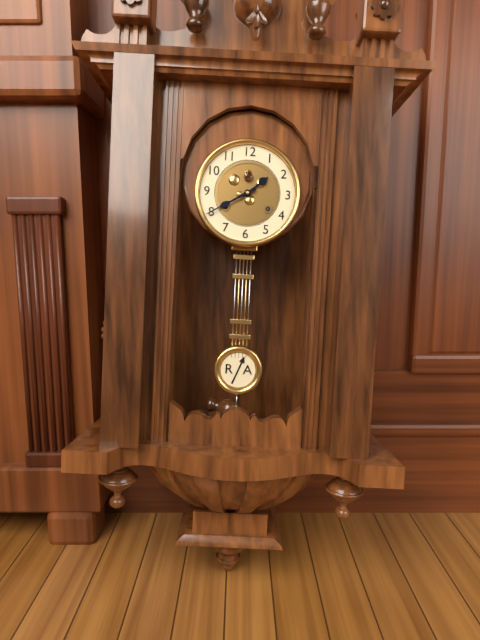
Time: h=1 m=40
